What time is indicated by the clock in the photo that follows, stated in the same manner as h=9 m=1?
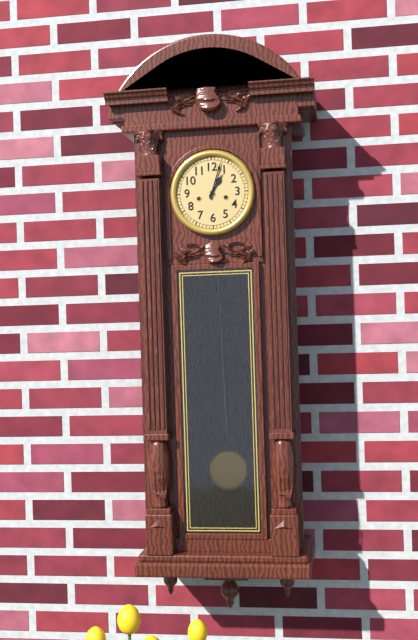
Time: h=1 m=3
